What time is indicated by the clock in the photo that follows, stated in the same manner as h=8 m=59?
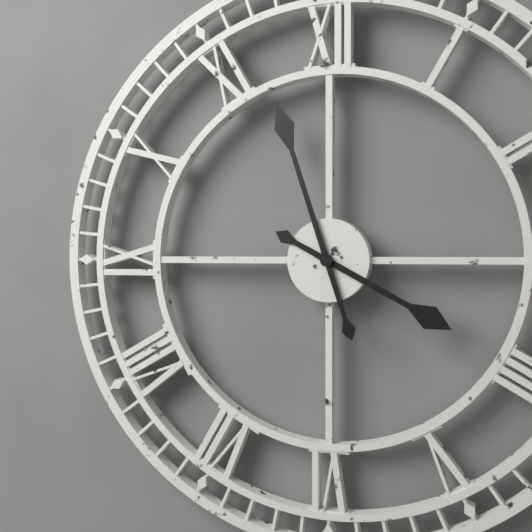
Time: h=3 m=57
